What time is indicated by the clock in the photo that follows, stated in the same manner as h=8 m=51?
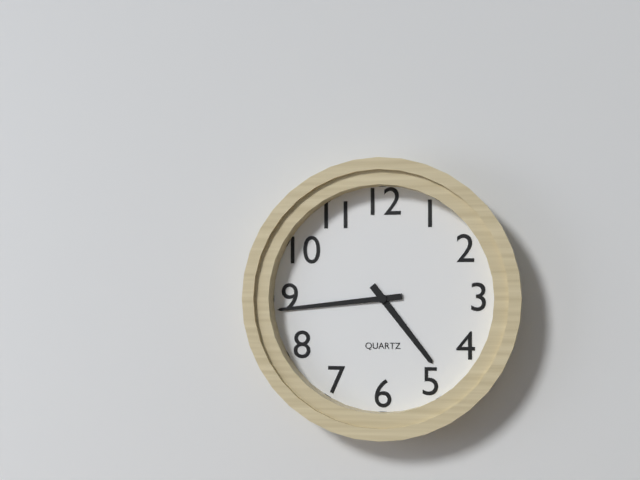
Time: h=4 m=44
